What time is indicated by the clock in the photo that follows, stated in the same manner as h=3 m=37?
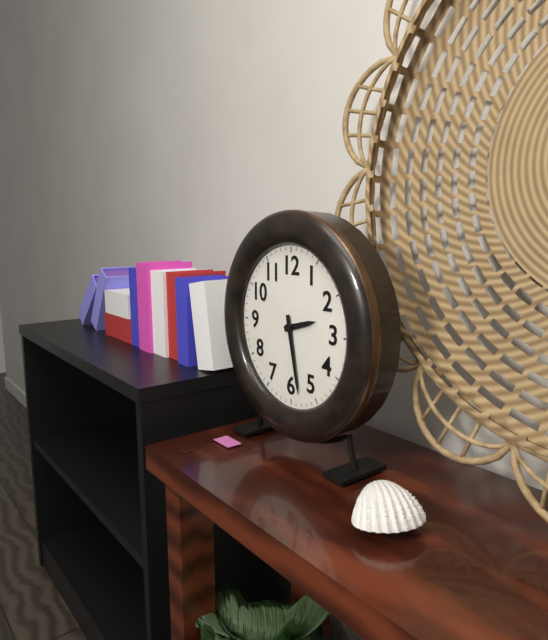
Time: h=2 m=28
